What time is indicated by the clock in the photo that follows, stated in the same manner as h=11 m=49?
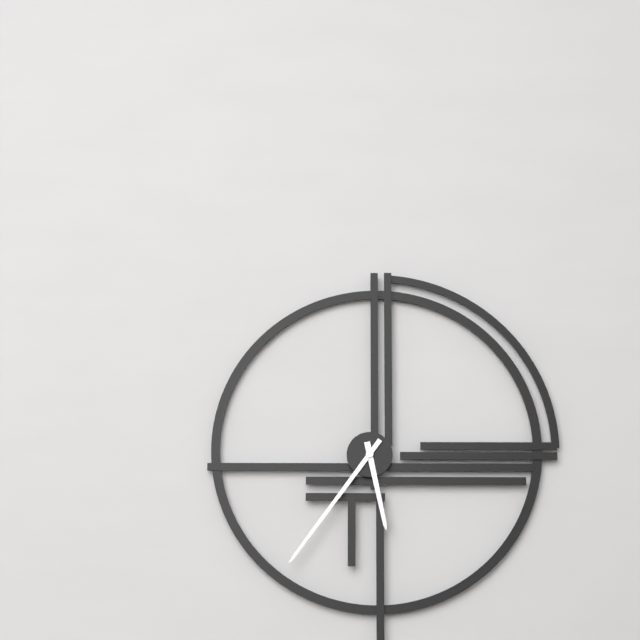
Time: h=5 m=36
